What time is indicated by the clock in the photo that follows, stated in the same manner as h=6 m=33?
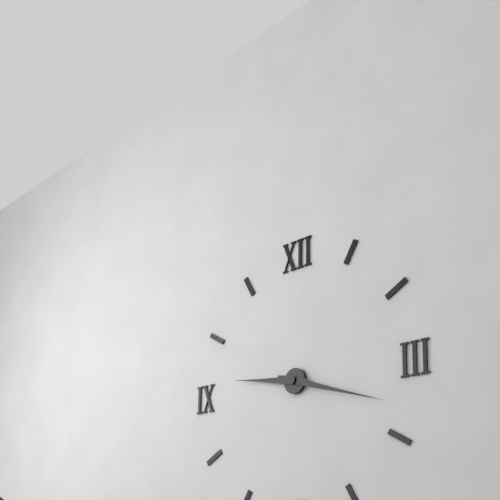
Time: h=9 m=18
